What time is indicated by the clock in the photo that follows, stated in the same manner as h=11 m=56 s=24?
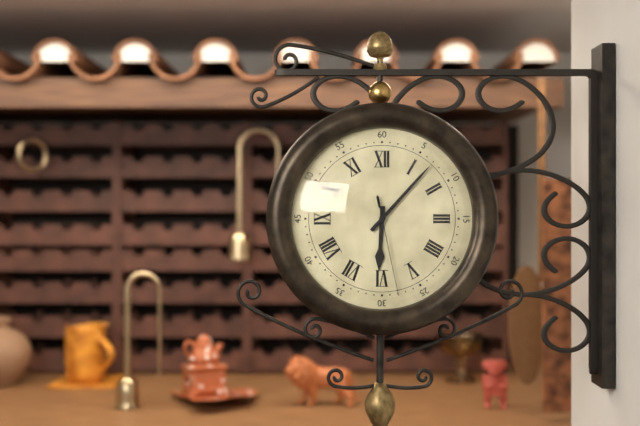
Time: h=6 m=7 s=28
